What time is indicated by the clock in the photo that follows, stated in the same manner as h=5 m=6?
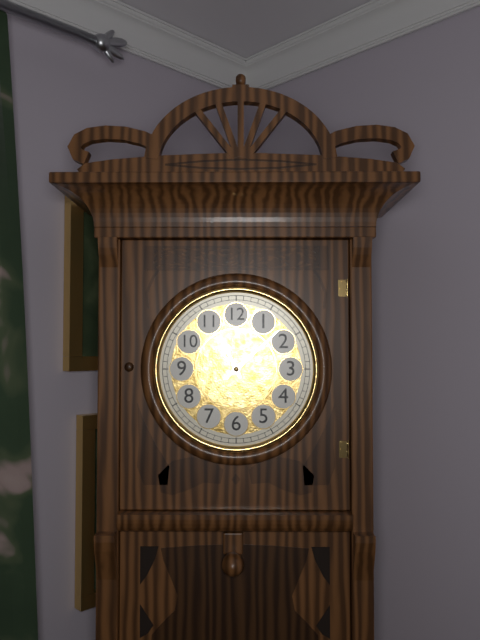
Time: h=11 m=8
